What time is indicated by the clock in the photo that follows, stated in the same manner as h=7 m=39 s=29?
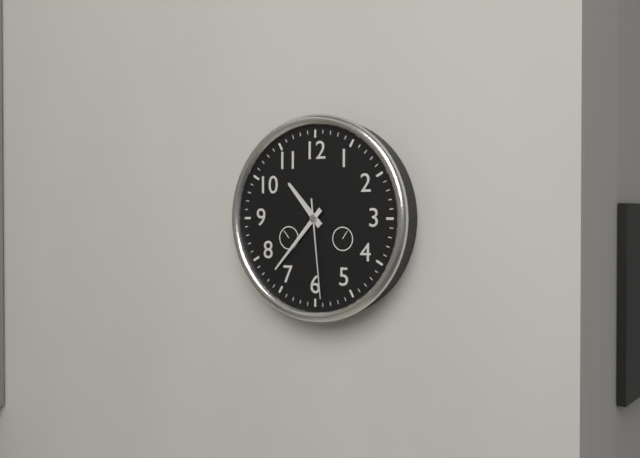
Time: h=10 m=37 s=29
